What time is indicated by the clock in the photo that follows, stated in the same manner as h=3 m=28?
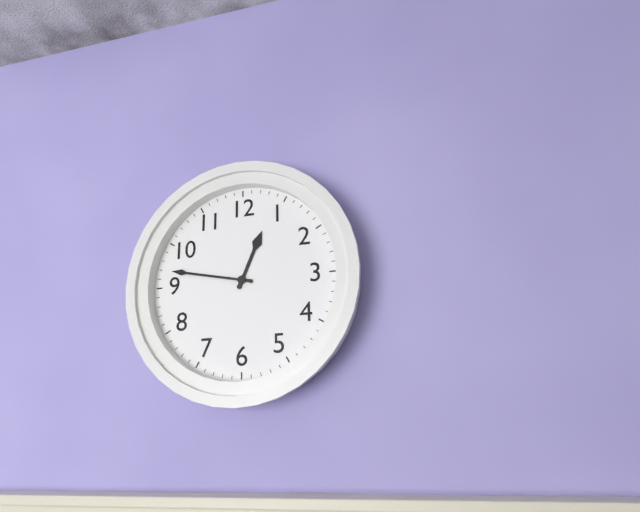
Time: h=12 m=47
